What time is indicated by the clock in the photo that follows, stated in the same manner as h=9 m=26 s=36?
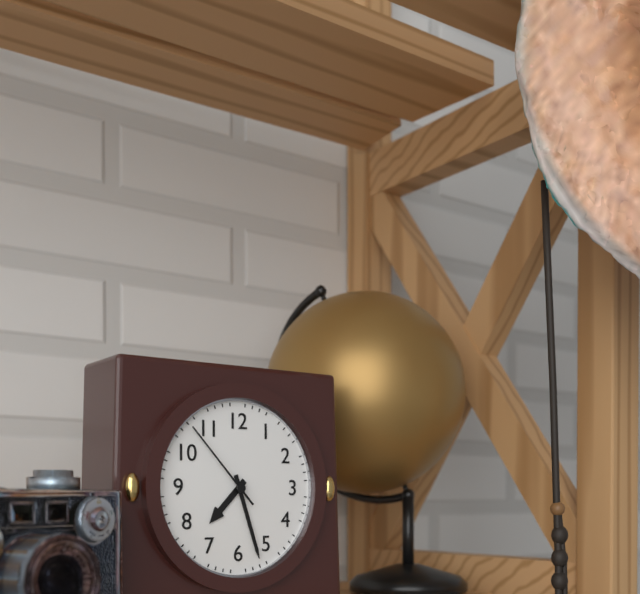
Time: h=7 m=27 s=53
